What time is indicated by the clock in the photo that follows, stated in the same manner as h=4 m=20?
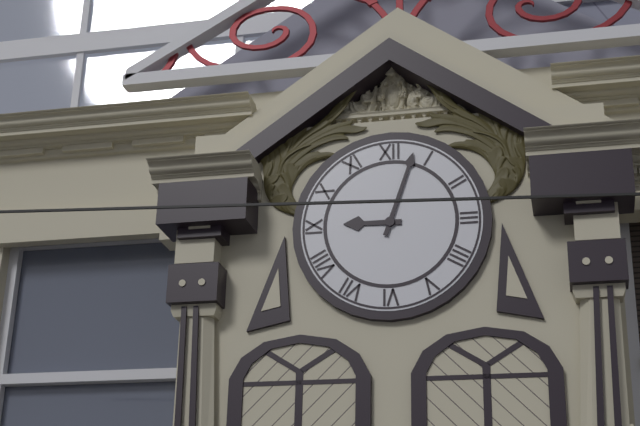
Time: h=9 m=3
